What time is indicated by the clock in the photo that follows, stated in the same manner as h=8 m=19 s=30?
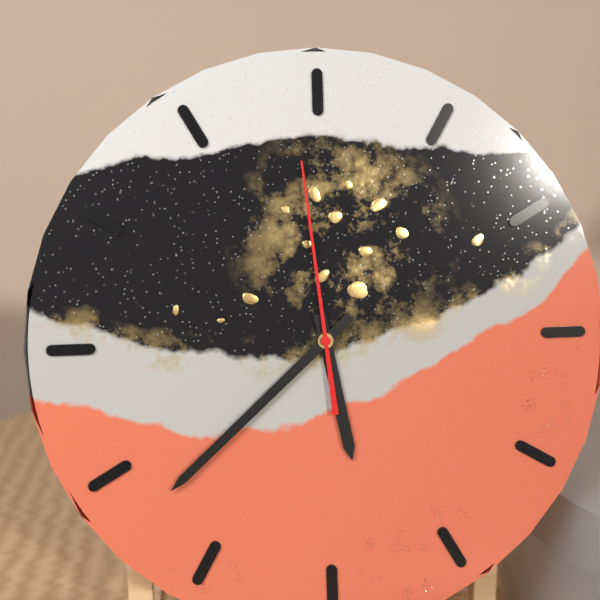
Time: h=5 m=38 s=59
